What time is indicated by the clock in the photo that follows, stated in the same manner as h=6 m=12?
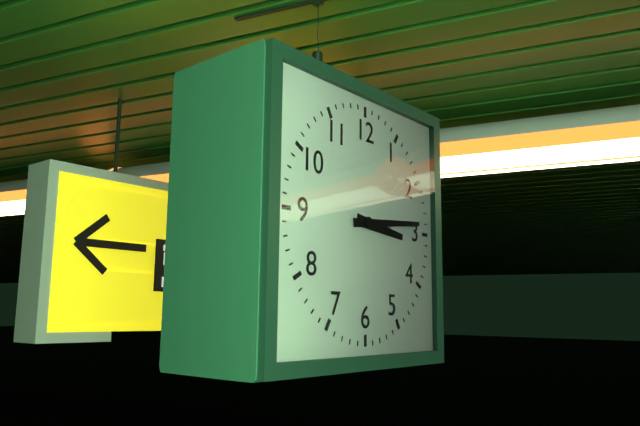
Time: h=3 m=14
